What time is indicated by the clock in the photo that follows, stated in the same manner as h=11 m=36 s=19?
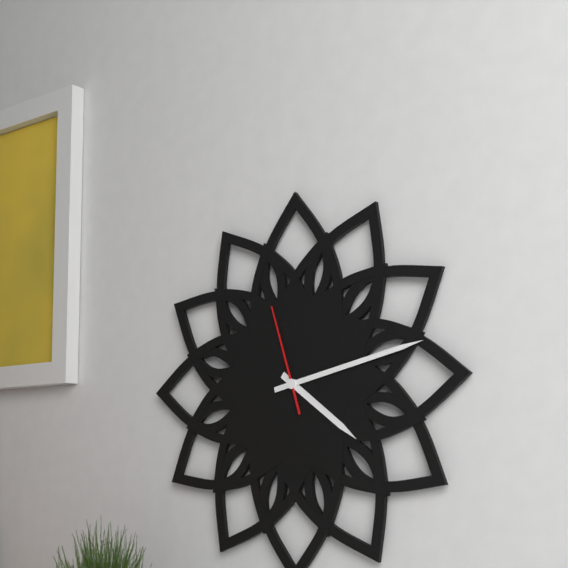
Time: h=4 m=13 s=57
